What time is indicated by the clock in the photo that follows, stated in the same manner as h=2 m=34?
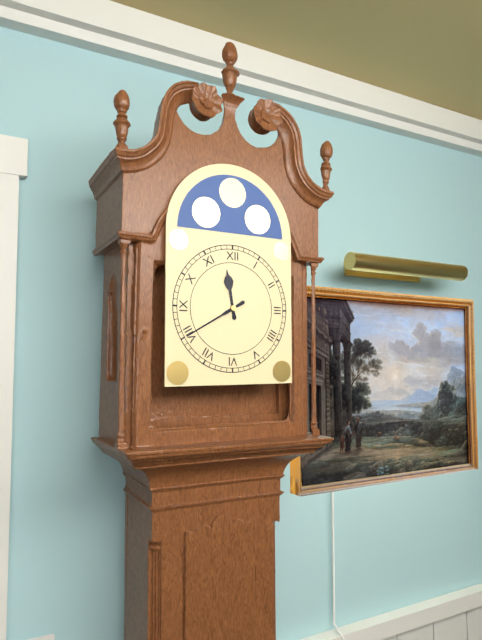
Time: h=11 m=40
